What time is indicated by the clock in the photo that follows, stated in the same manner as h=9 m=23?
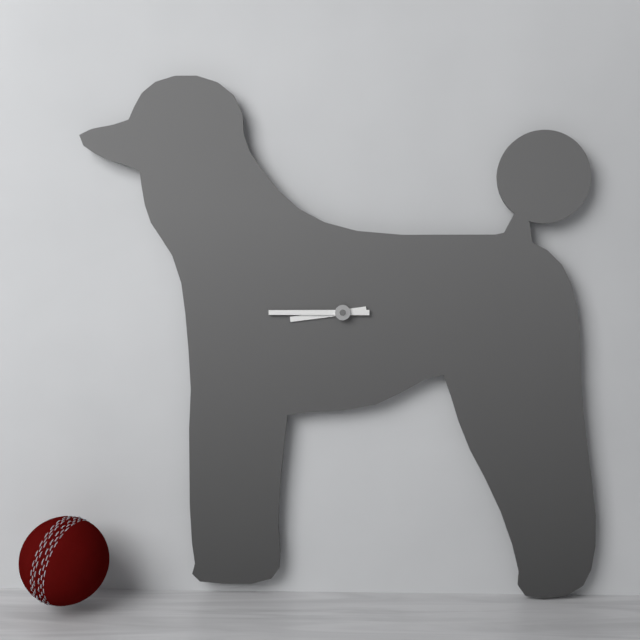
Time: h=8 m=45
